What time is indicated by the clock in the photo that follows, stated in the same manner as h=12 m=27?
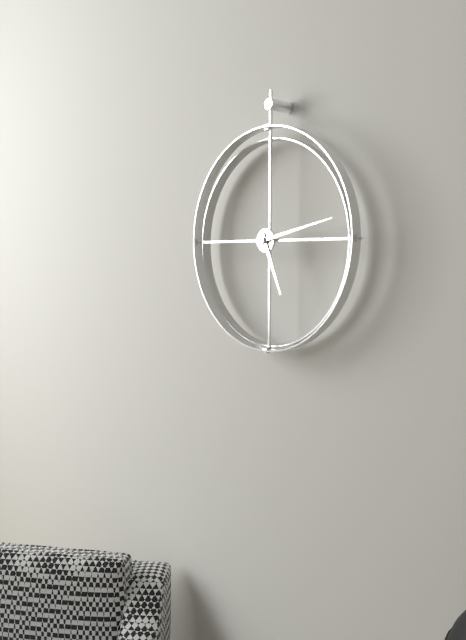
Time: h=5 m=13
